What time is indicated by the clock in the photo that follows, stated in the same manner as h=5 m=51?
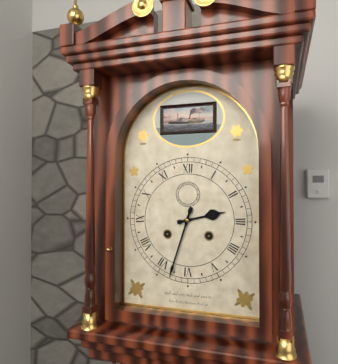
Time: h=2 m=33
